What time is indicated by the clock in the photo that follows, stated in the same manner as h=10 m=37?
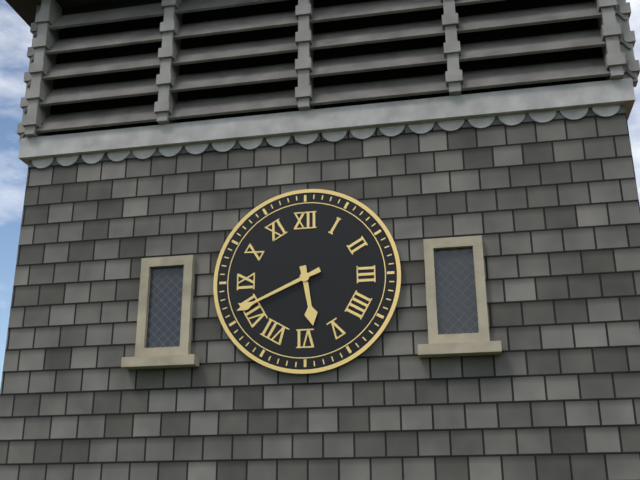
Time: h=5 m=41
